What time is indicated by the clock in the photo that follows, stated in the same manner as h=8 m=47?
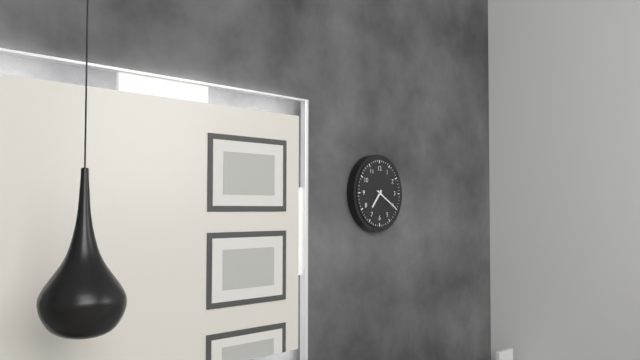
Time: h=7 m=20
